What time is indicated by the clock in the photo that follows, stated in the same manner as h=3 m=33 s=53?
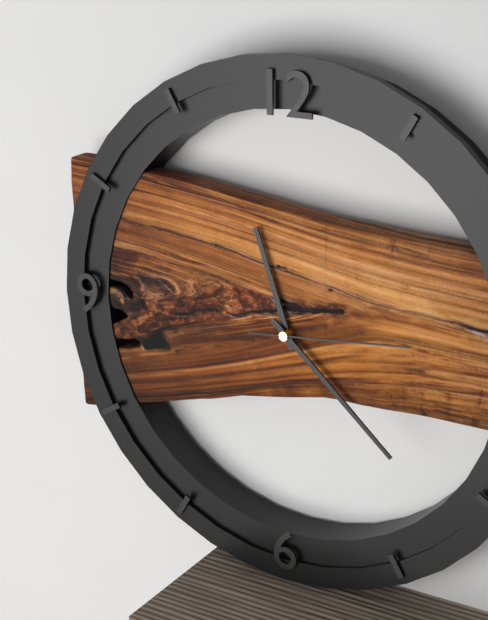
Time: h=11 m=22 s=14
